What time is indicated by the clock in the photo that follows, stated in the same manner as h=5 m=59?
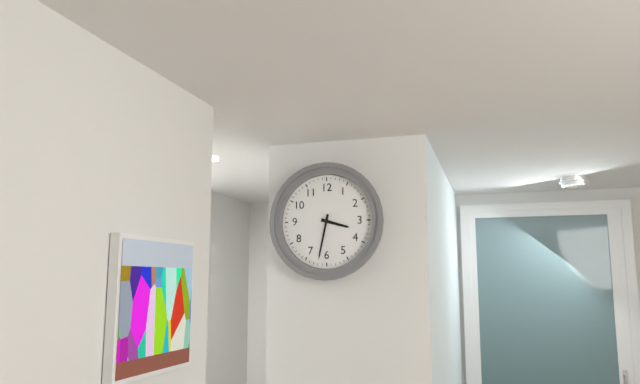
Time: h=3 m=32
